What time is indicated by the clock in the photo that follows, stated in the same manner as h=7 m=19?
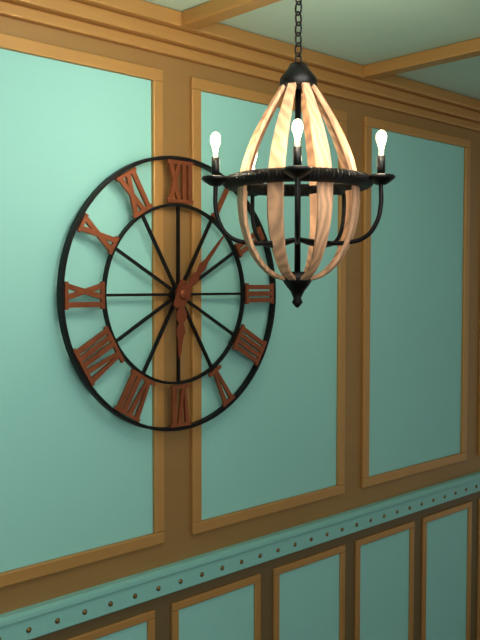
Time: h=6 m=7
